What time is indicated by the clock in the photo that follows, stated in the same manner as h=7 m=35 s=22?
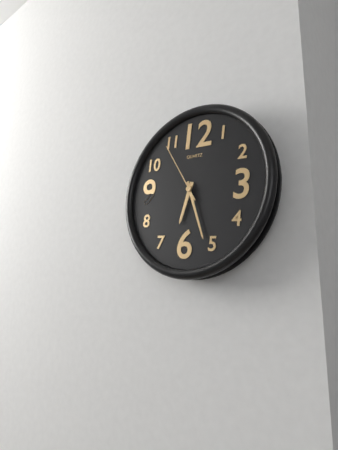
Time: h=6 m=26 s=54
